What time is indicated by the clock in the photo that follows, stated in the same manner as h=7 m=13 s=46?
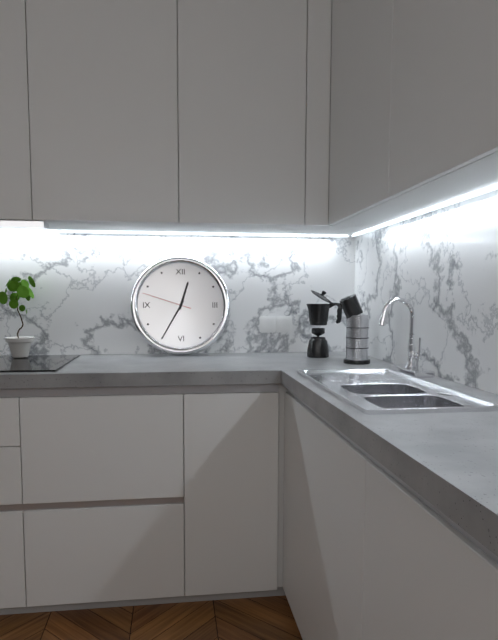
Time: h=12 m=35 s=48
